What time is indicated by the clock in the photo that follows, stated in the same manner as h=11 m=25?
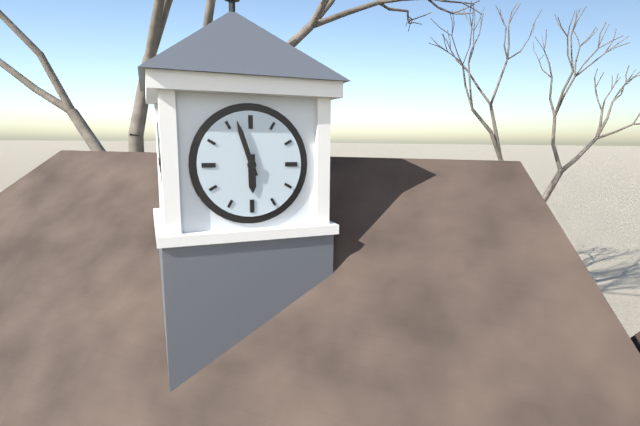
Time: h=5 m=57
